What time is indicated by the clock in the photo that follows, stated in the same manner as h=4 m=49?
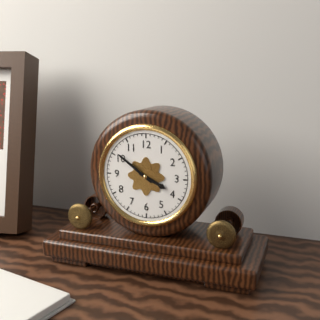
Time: h=3 m=51
